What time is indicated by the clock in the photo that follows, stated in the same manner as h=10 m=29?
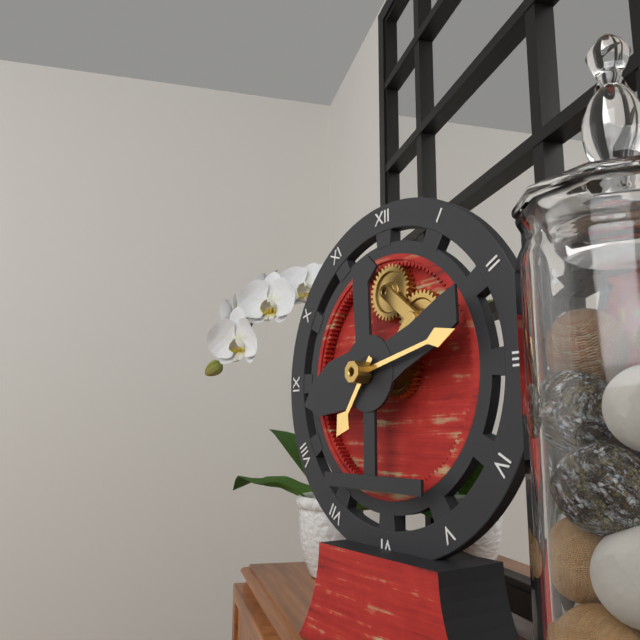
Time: h=7 m=13
